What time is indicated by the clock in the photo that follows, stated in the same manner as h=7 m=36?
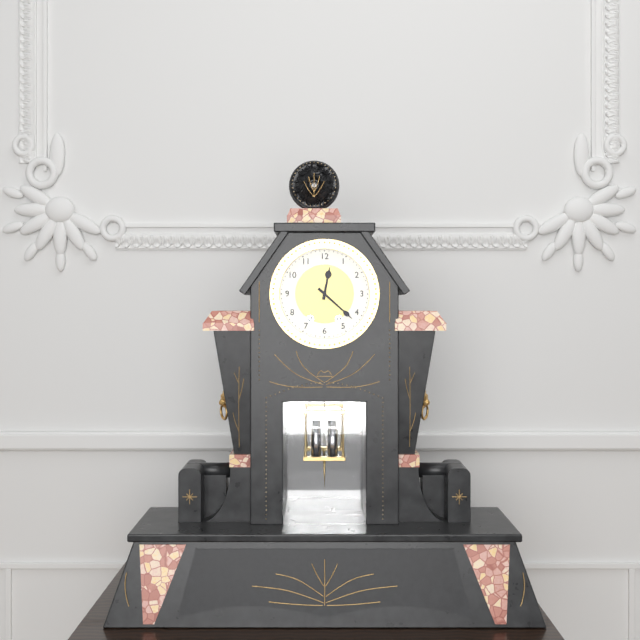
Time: h=12 m=22
